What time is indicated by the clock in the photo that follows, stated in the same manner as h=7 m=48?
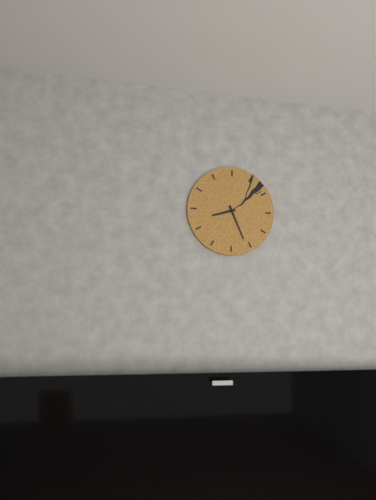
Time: h=8 m=26
